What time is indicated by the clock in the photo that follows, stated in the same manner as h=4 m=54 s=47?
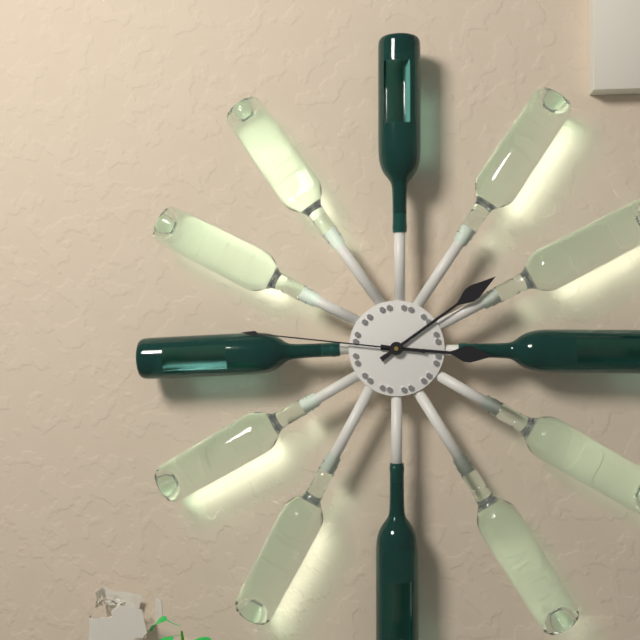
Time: h=3 m=9 s=46
